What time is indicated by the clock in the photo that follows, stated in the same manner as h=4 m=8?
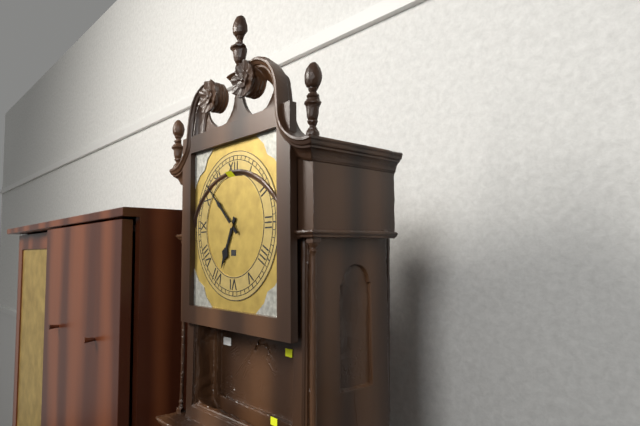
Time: h=6 m=52
